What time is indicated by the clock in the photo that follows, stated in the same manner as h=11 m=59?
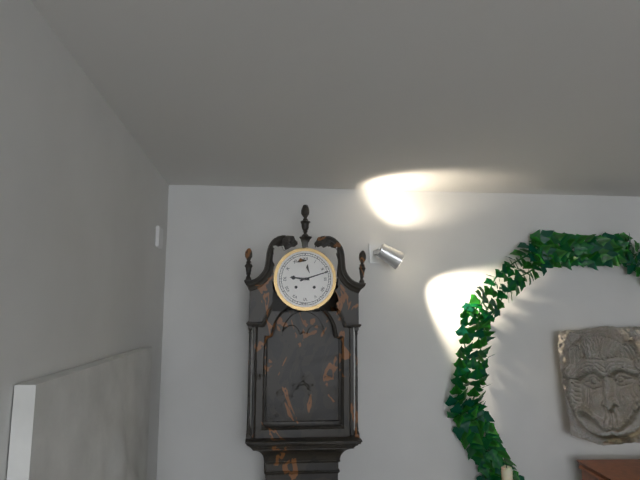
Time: h=9 m=12
